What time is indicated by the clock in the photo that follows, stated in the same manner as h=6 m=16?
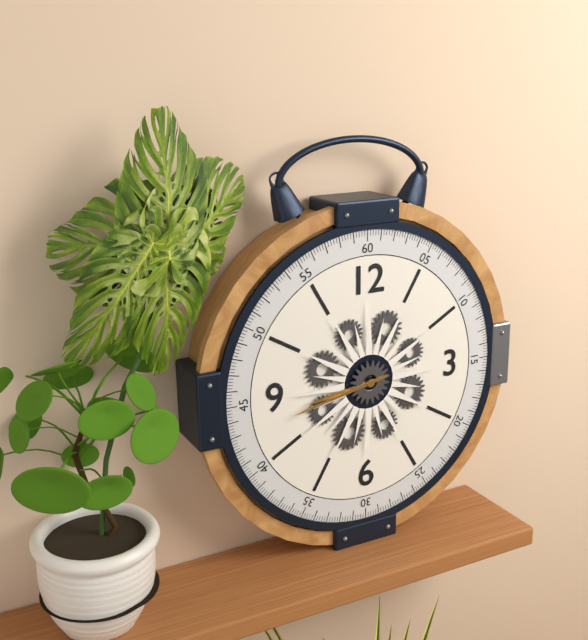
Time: h=8 m=43
